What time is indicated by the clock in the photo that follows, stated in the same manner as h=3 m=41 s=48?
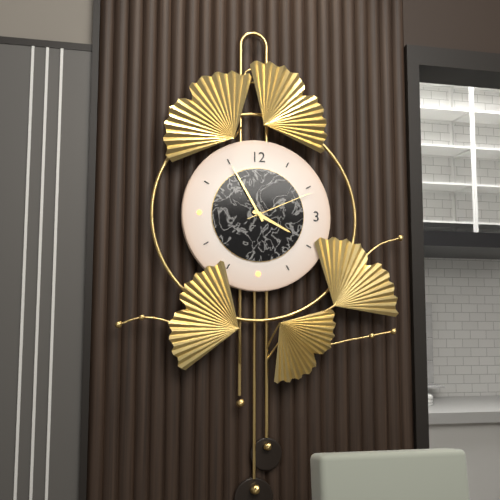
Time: h=3 m=55 s=11
